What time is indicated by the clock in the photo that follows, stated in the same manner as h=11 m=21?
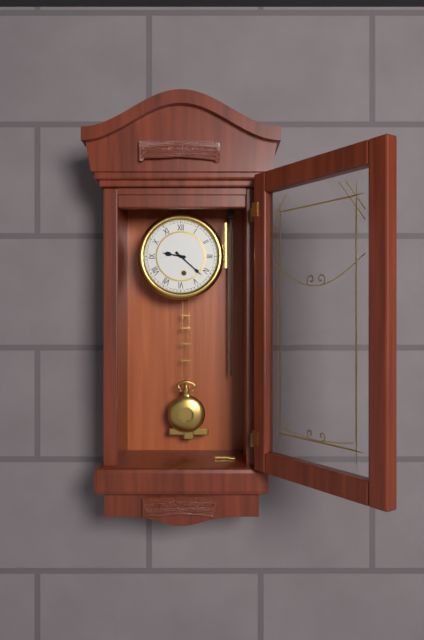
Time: h=9 m=22
